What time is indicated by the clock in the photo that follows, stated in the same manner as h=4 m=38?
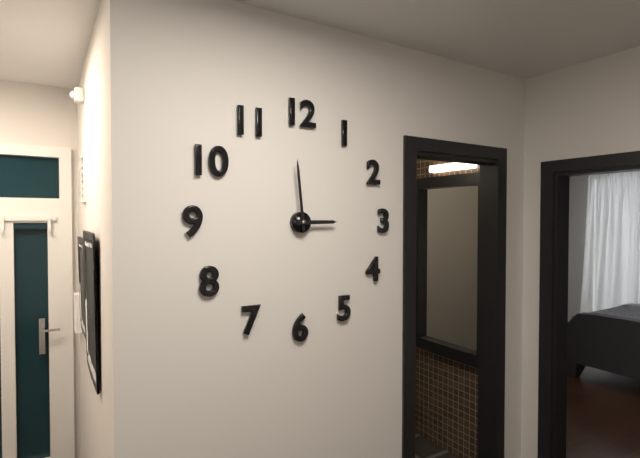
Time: h=2 m=59
